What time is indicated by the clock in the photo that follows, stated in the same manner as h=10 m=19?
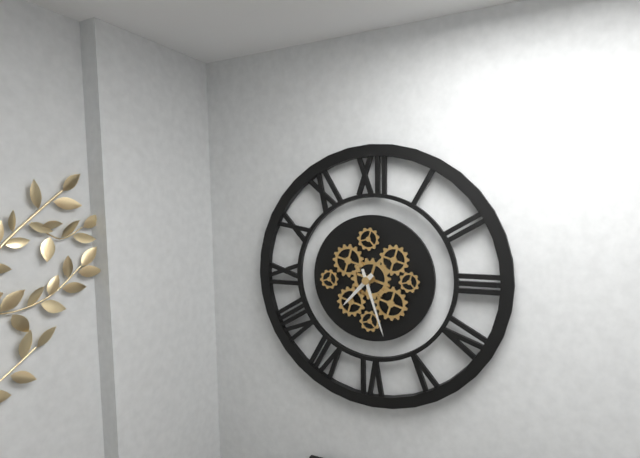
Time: h=7 m=27
